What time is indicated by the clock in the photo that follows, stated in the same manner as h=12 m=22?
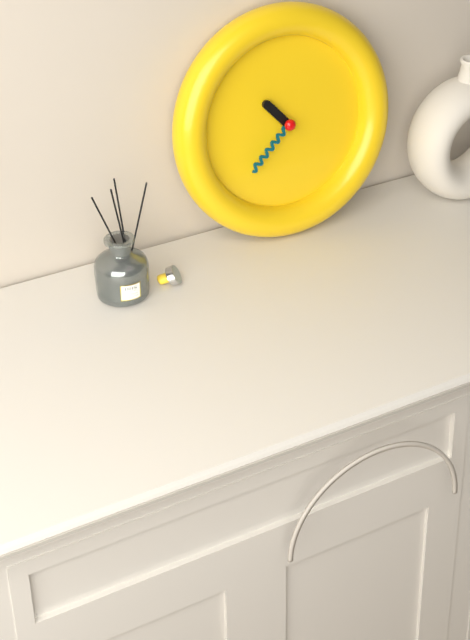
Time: h=10 m=38
